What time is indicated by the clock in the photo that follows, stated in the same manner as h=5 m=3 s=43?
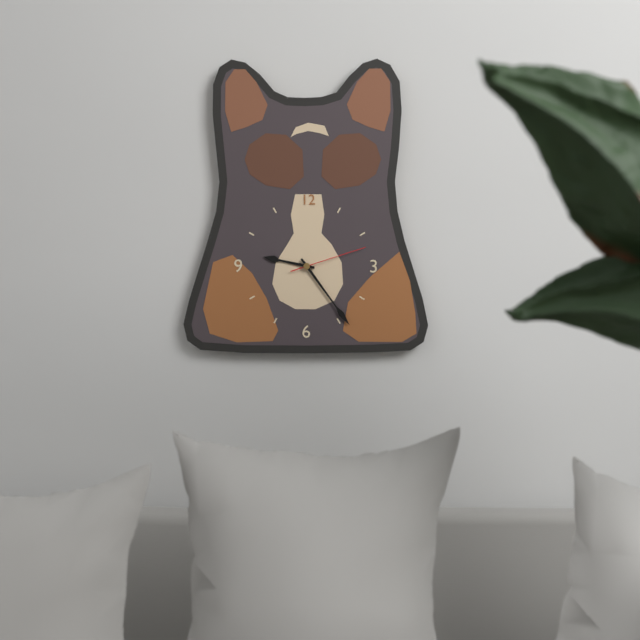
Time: h=9 m=24 s=12
